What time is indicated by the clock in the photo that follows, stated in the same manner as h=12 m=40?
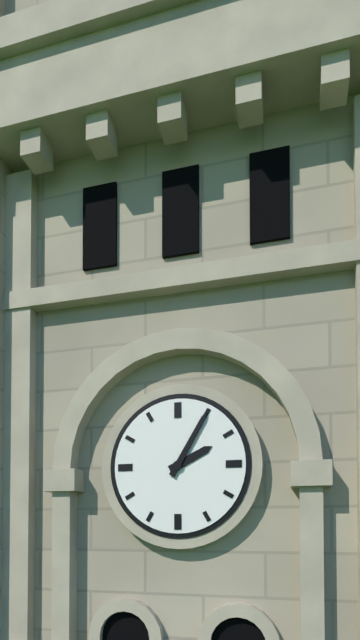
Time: h=2 m=5
